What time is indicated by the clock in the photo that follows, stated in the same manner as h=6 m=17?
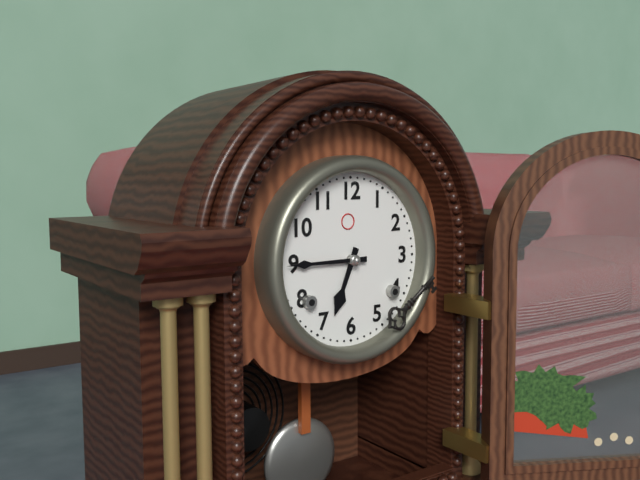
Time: h=6 m=45
